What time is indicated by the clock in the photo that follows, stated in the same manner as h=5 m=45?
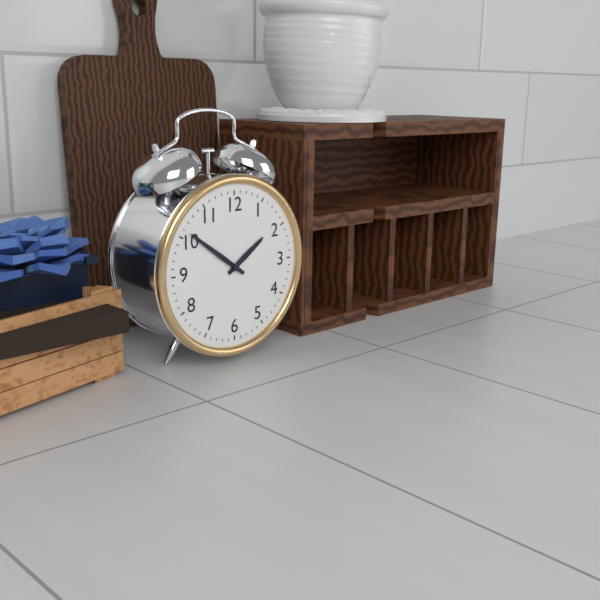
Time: h=1 m=51
